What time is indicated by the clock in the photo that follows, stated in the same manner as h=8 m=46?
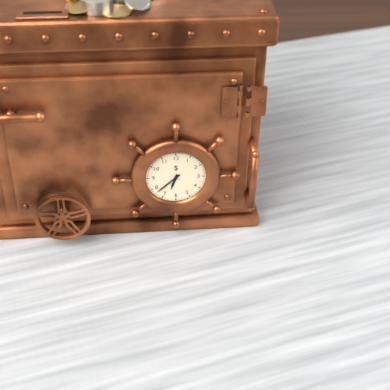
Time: h=6 m=38
